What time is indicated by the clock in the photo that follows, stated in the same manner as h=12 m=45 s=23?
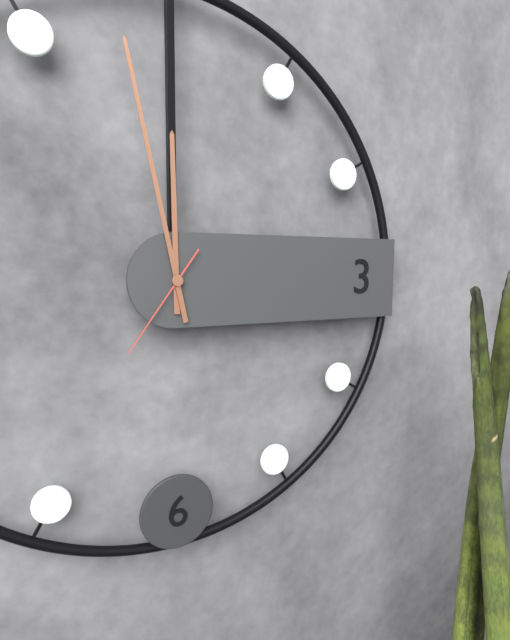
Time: h=11 m=58 s=36
